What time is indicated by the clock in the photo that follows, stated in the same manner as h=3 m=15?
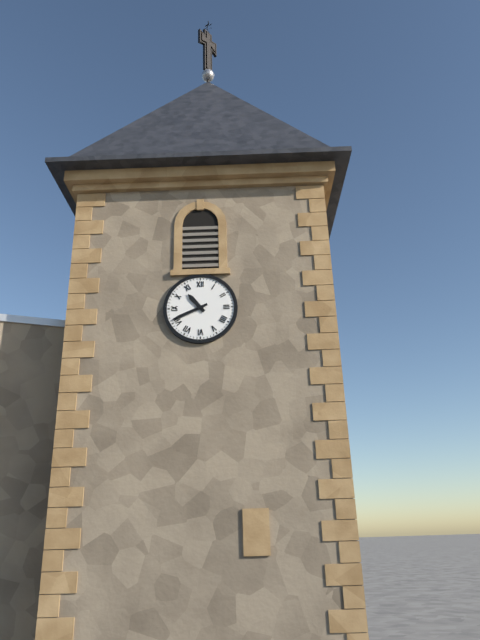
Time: h=10 m=41
